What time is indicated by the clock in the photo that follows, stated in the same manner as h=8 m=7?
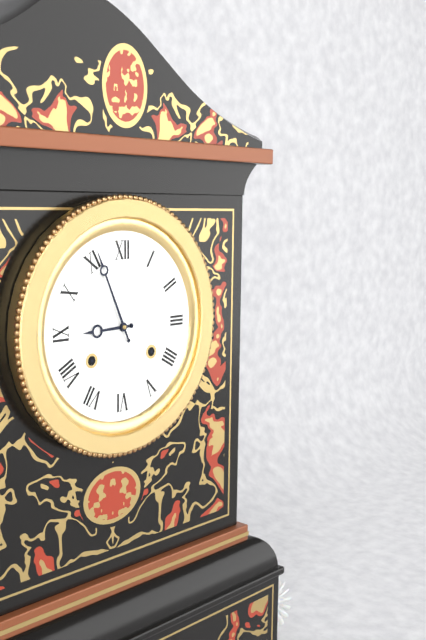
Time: h=8 m=56
